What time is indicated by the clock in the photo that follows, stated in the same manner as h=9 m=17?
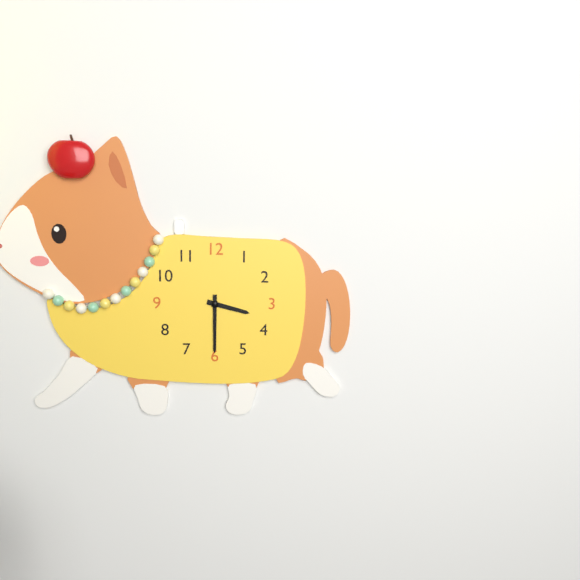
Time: h=3 m=30
